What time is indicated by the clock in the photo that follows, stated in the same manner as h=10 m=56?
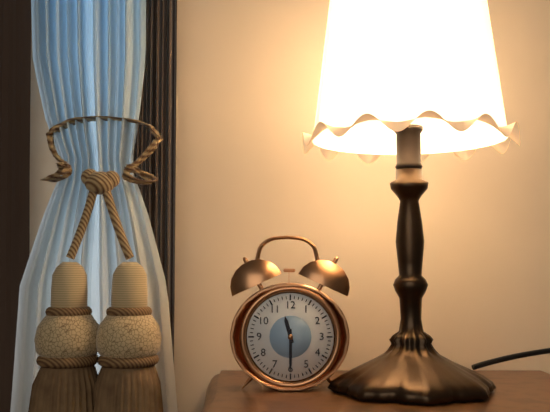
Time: h=11 m=30
